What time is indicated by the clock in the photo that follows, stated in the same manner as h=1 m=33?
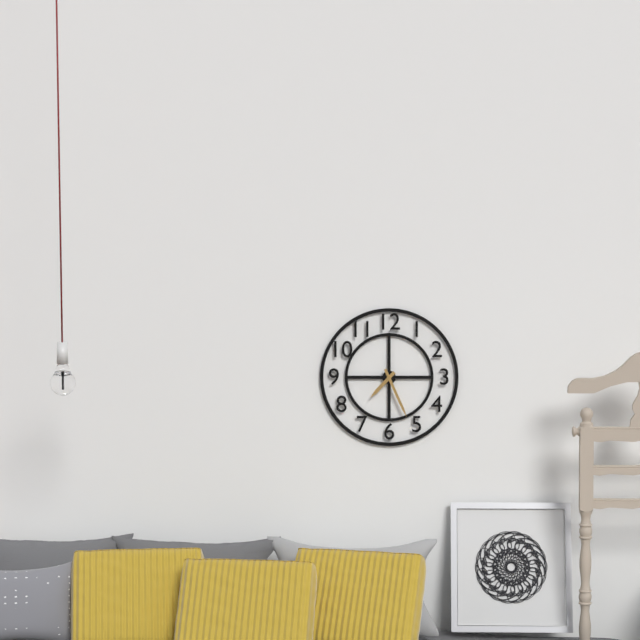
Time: h=7 m=26
